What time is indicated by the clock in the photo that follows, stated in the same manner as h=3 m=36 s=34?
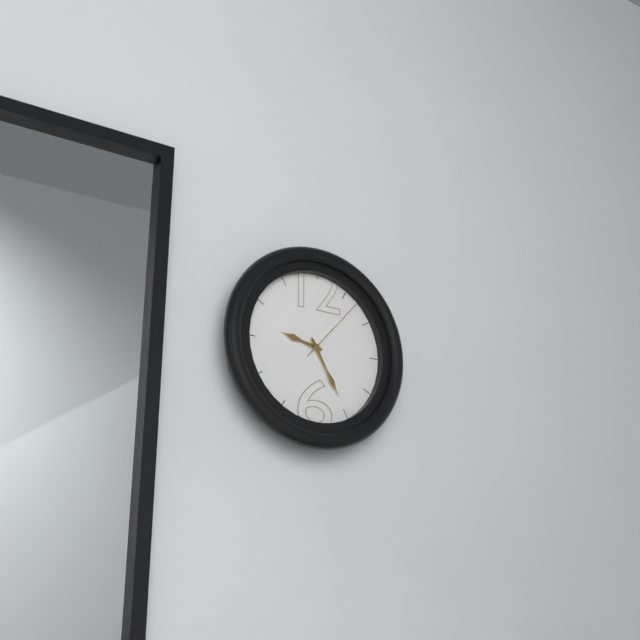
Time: h=9 m=25 s=7
